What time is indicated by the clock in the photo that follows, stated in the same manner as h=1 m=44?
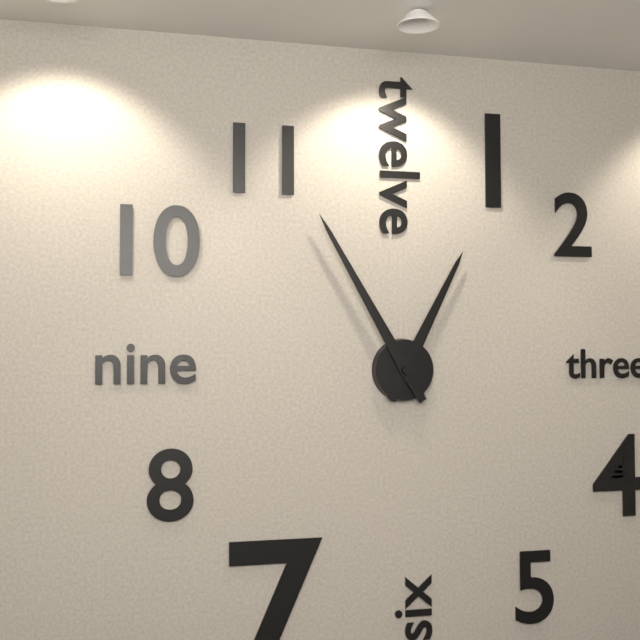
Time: h=12 m=55
